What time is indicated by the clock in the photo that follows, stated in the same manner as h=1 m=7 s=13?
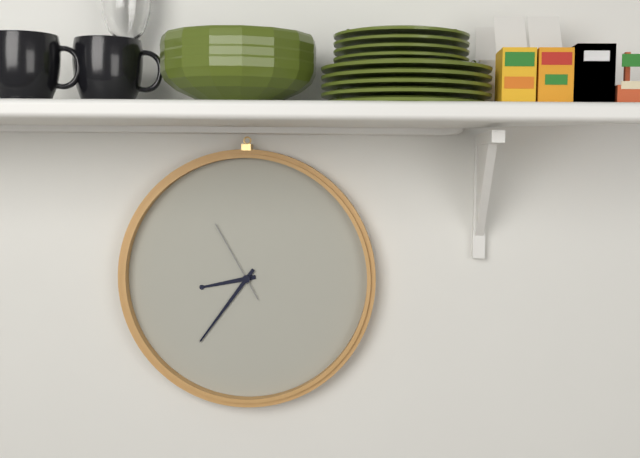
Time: h=8 m=36 s=55
